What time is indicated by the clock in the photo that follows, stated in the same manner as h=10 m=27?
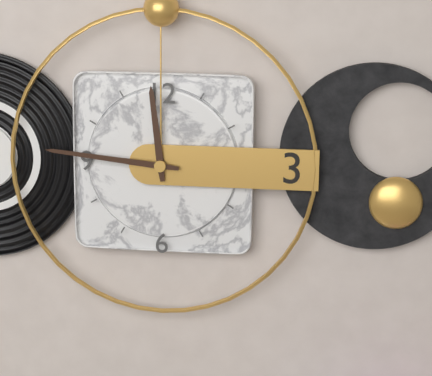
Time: h=11 m=46
